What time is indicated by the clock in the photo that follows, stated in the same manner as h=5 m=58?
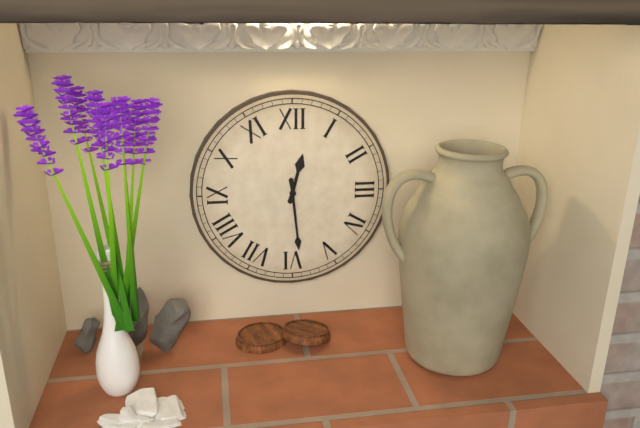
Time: h=12 m=29
